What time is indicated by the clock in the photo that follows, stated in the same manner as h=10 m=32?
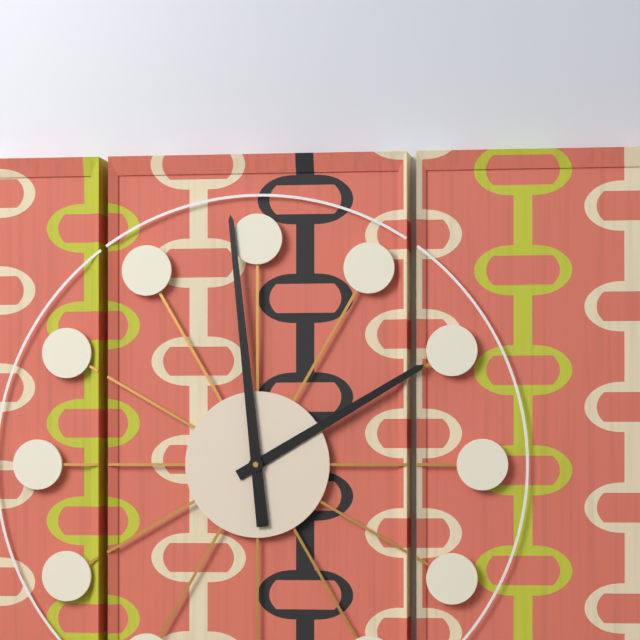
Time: h=1 m=59
